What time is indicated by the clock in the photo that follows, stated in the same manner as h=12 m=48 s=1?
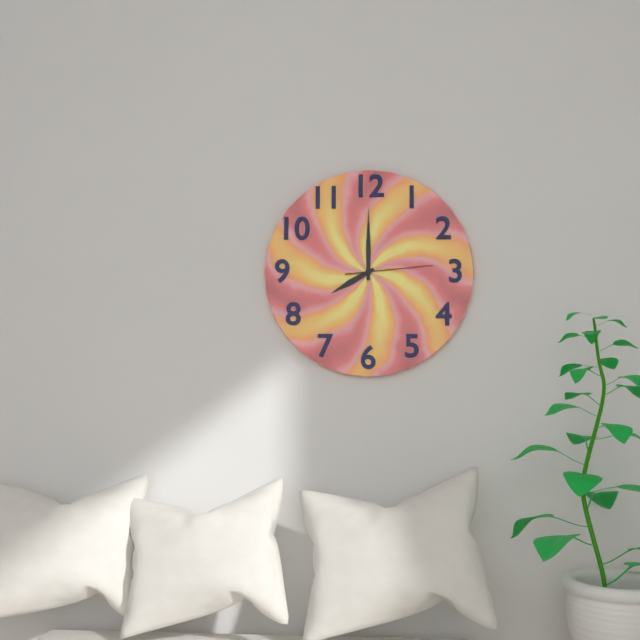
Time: h=8 m=0 s=14
